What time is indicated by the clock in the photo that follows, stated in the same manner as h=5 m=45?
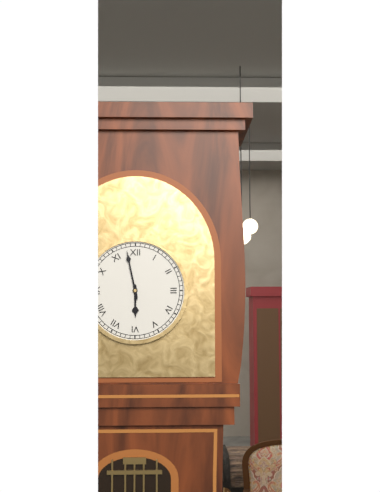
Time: h=5 m=58
